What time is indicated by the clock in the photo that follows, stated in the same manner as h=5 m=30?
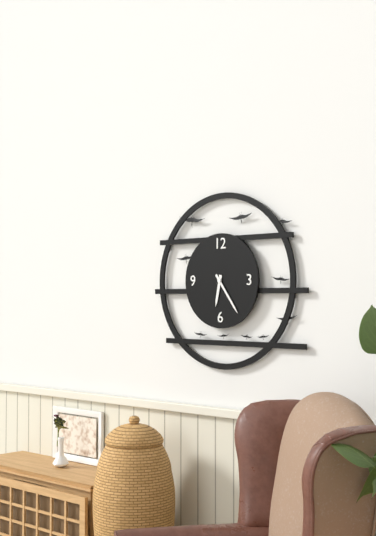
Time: h=6 m=24
